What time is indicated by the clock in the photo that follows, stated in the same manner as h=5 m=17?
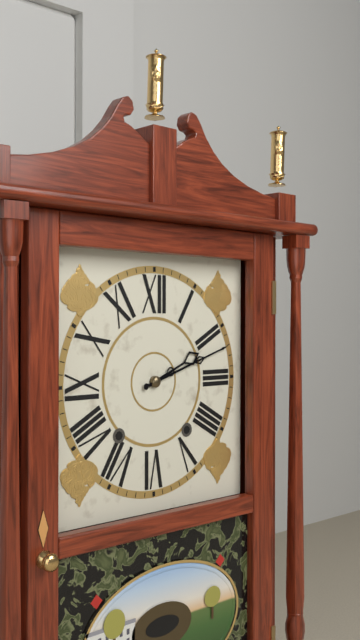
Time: h=2 m=12
